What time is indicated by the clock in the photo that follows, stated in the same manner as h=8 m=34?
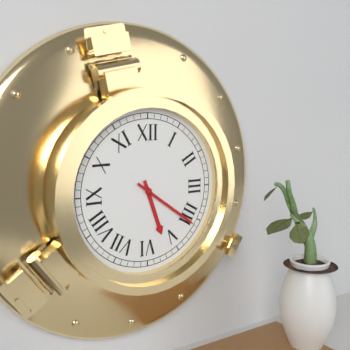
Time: h=5 m=21
